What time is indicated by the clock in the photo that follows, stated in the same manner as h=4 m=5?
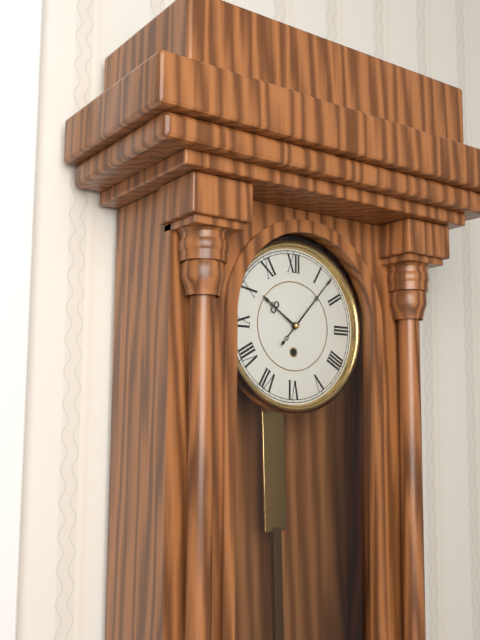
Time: h=10 m=7
